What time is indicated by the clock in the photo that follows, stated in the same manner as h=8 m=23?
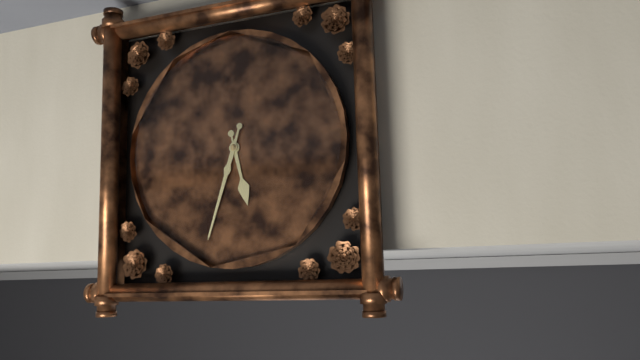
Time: h=5 m=33
